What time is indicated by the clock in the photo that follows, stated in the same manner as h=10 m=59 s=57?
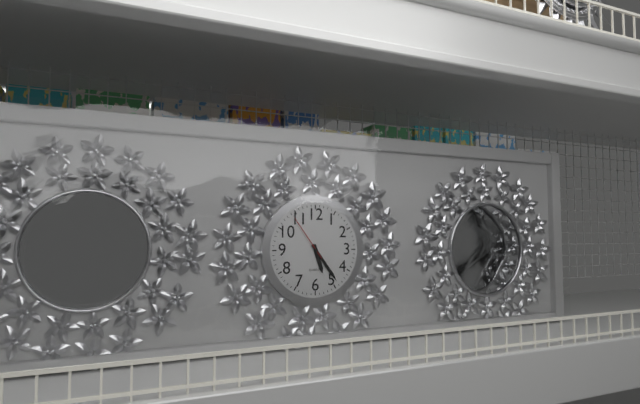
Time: h=5 m=24 s=54
